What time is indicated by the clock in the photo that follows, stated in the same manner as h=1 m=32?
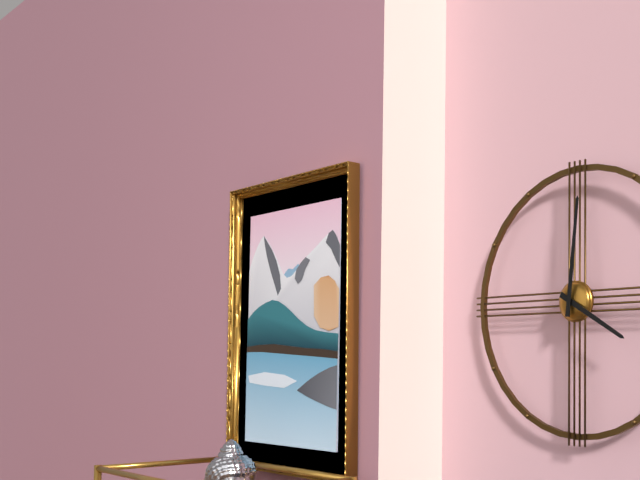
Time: h=4 m=1
